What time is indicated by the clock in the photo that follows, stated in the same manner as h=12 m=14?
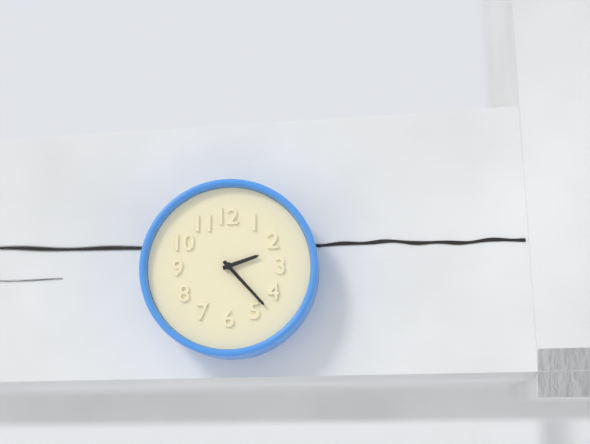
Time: h=2 m=23
